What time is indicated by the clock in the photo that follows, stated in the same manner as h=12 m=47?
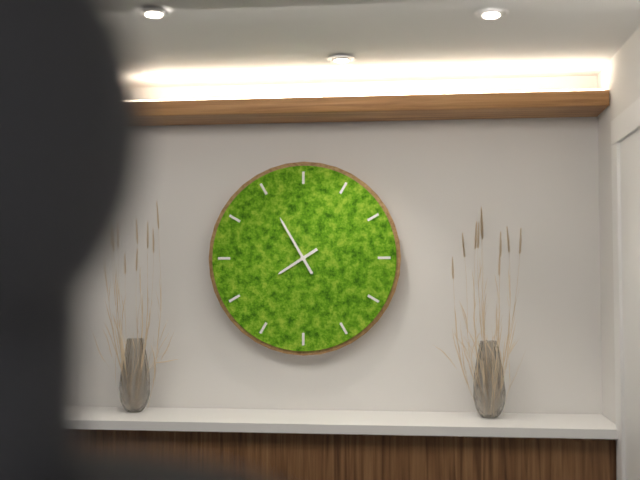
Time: h=7 m=55
